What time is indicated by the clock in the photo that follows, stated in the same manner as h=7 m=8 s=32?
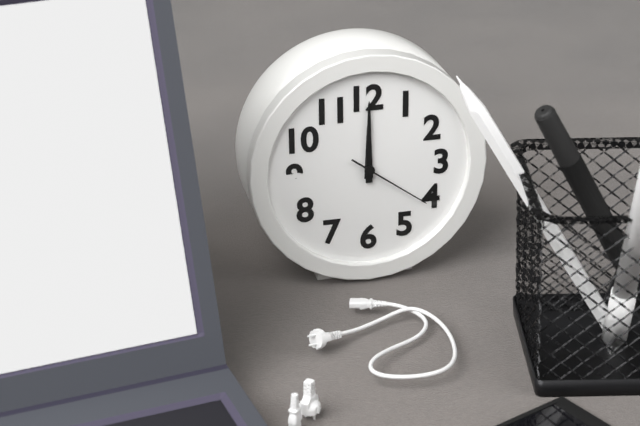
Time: h=12 m=0 s=21
